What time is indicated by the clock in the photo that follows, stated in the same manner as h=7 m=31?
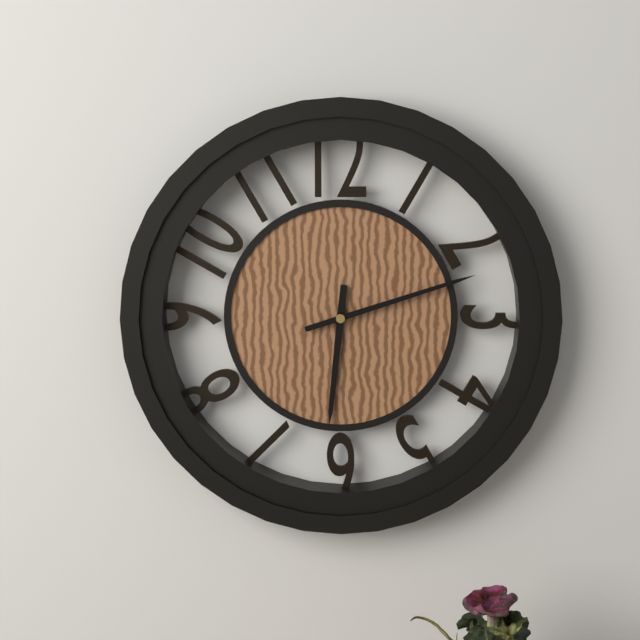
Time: h=6 m=12
